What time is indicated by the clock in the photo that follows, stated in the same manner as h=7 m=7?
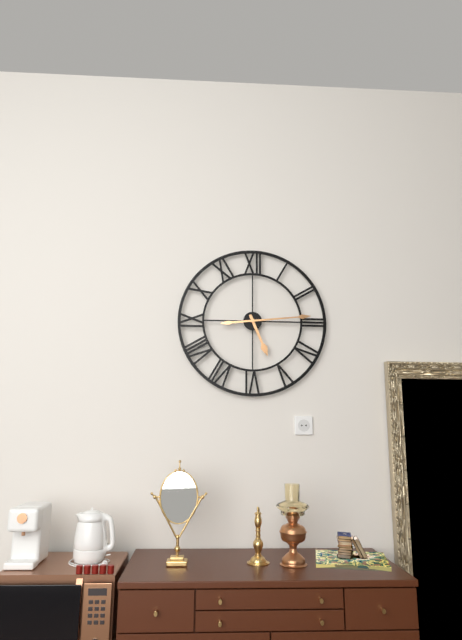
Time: h=5 m=14
